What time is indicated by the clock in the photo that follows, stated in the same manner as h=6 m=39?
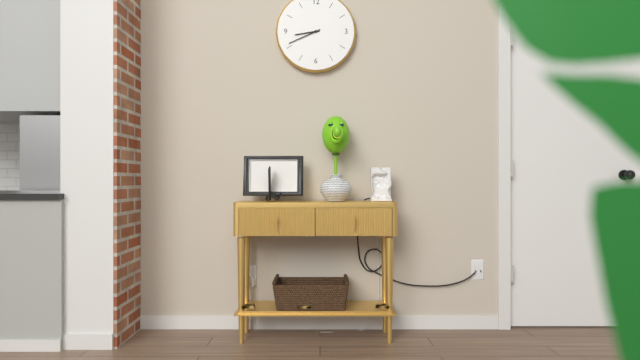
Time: h=8 m=41
